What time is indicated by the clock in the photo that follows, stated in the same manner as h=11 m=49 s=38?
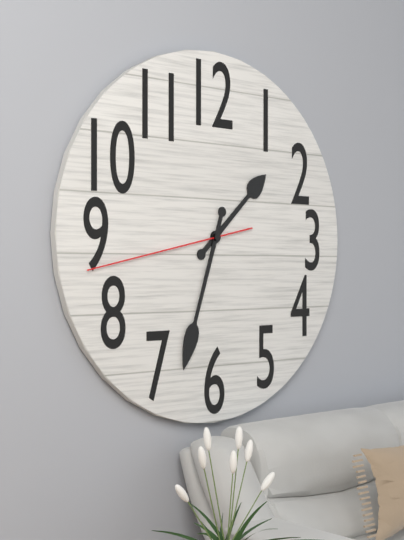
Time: h=1 m=33 s=43
